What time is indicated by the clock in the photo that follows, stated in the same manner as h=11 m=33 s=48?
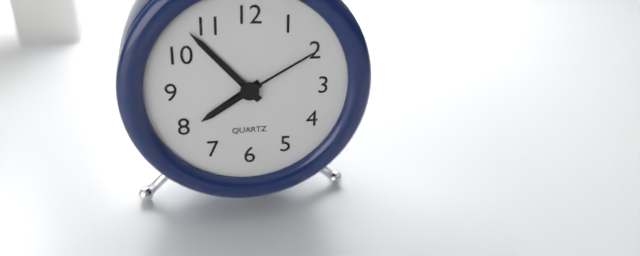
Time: h=7 m=53 s=10
